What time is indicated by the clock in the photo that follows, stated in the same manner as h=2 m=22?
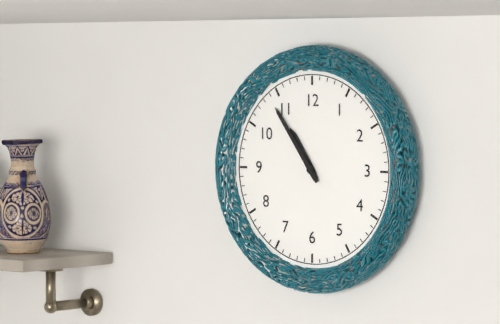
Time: h=10 m=54
